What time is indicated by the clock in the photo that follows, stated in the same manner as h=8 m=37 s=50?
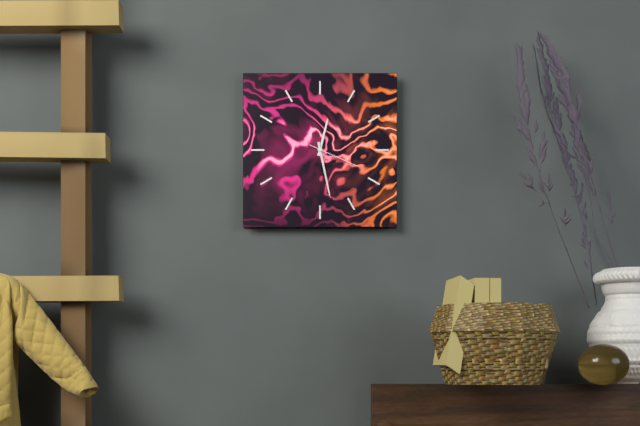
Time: h=12 m=28 s=19
